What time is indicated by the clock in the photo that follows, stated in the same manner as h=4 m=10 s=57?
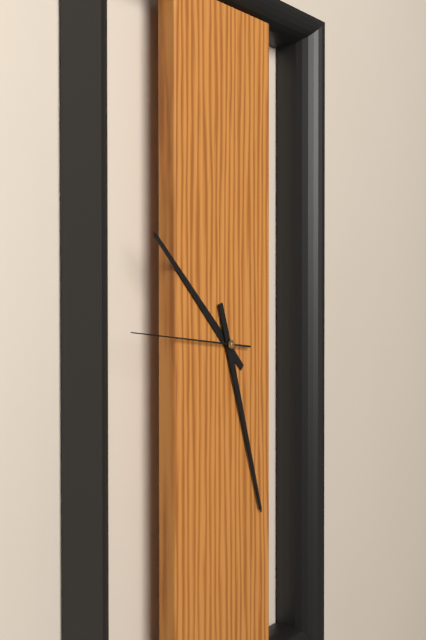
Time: h=10 m=27 s=46
